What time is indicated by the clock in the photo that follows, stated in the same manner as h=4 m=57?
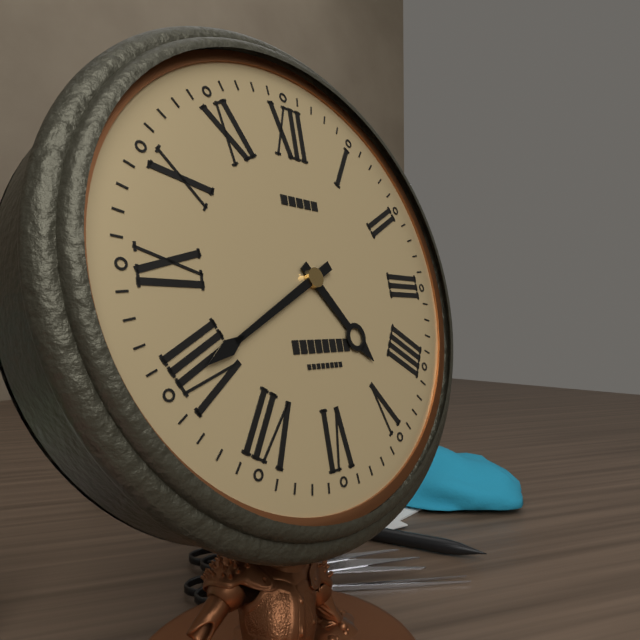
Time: h=4 m=40
